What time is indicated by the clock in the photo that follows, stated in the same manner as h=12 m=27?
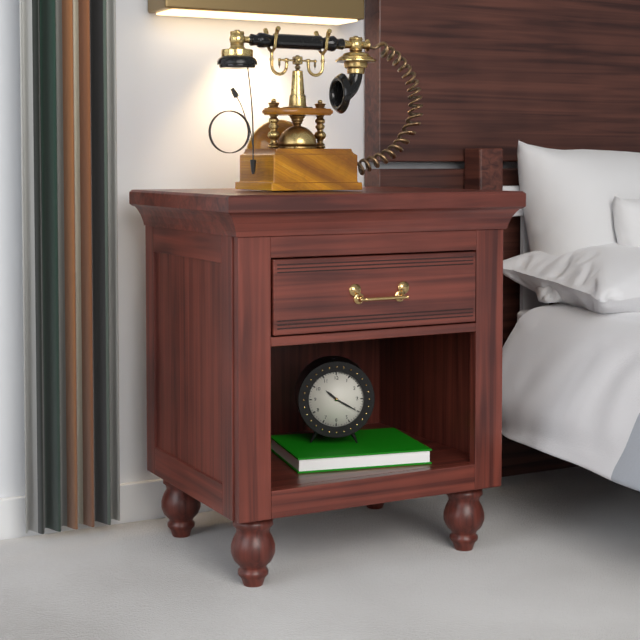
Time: h=10 m=20
